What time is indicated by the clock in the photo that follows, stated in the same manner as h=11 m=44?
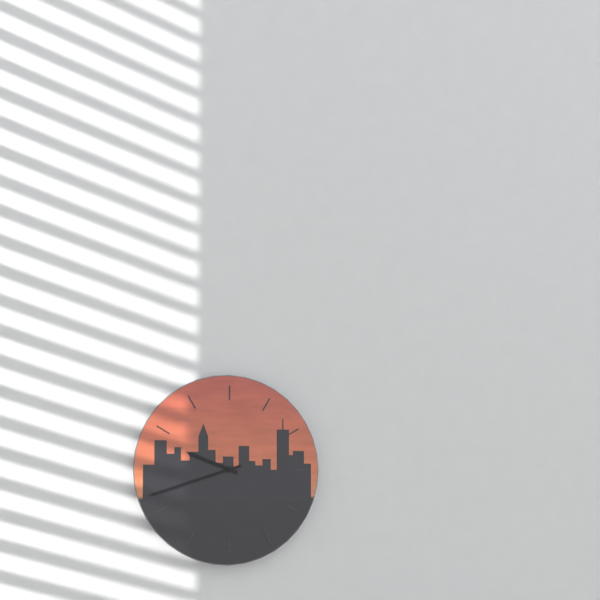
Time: h=9 m=42
